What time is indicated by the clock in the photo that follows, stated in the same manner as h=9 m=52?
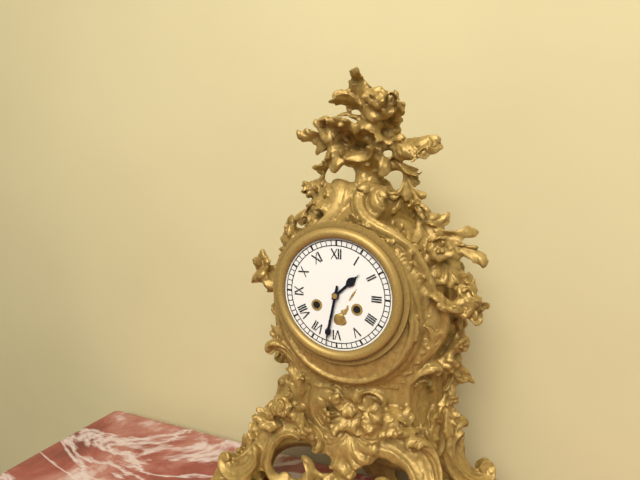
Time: h=1 m=32
